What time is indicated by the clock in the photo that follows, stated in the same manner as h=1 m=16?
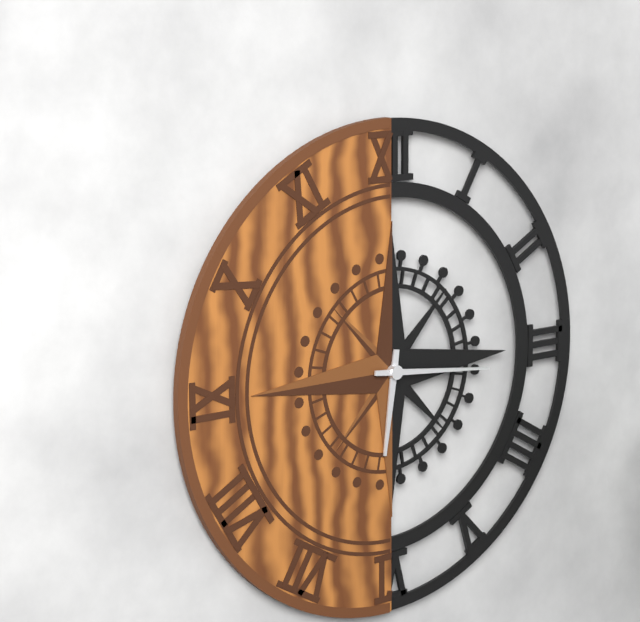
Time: h=6 m=16
